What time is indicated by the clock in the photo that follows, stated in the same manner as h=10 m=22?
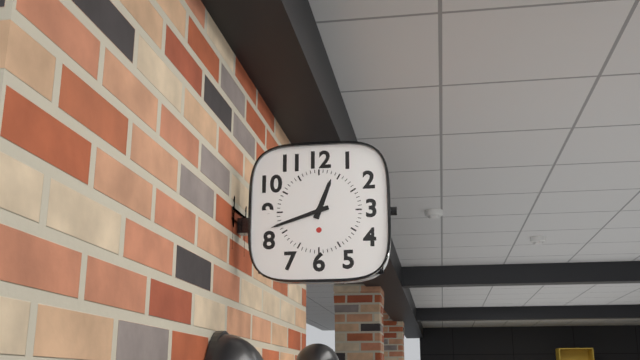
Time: h=12 m=42
